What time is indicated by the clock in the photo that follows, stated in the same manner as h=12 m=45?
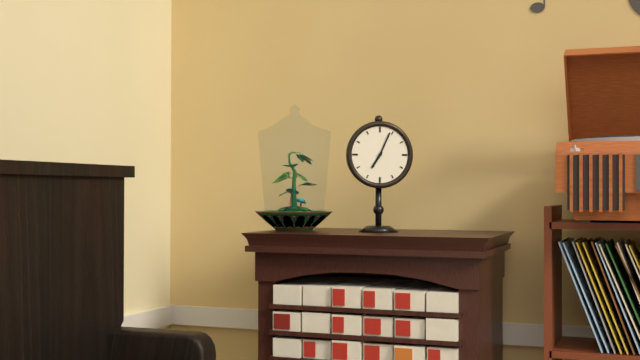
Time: h=7 m=4
